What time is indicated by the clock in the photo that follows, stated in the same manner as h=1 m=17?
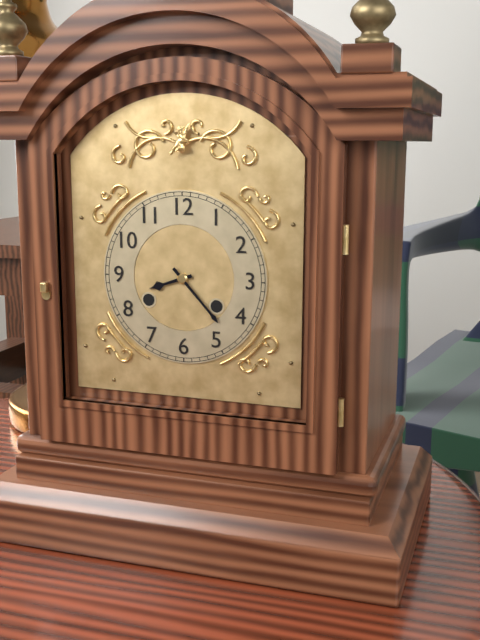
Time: h=8 m=23
